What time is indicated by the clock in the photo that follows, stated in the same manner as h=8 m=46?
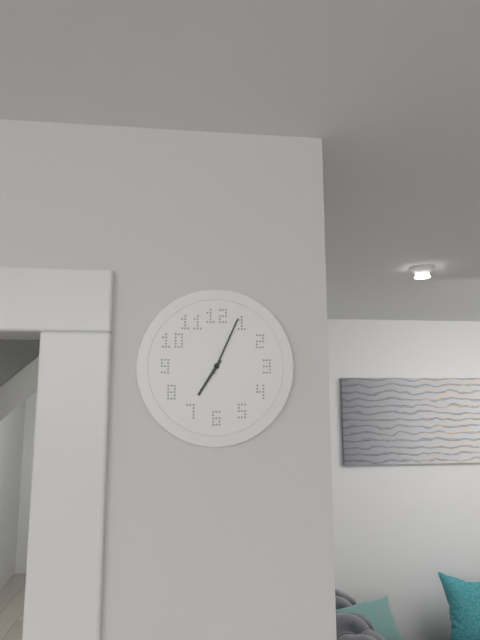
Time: h=7 m=4
